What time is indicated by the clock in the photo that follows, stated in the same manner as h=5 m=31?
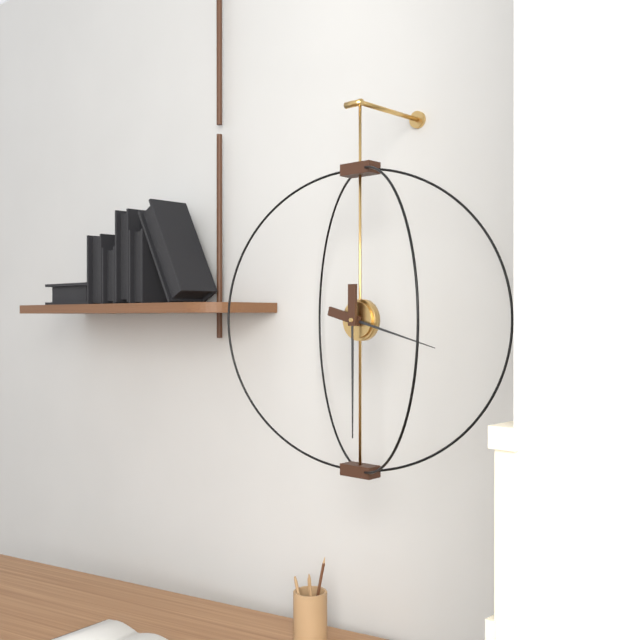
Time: h=3 m=30
